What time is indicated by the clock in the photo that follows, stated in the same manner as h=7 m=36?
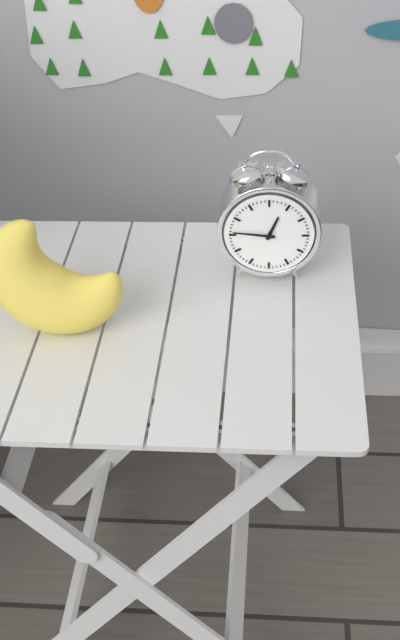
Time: h=12 m=46
